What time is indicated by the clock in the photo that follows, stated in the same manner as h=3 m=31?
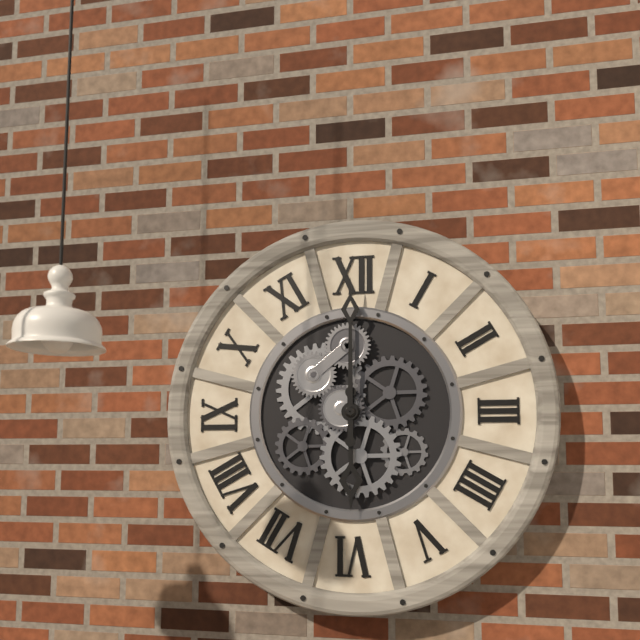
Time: h=6 m=0
